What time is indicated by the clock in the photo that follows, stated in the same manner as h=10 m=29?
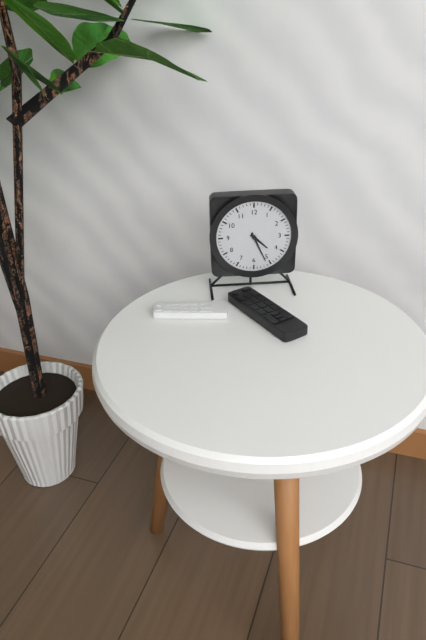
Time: h=4 m=26
